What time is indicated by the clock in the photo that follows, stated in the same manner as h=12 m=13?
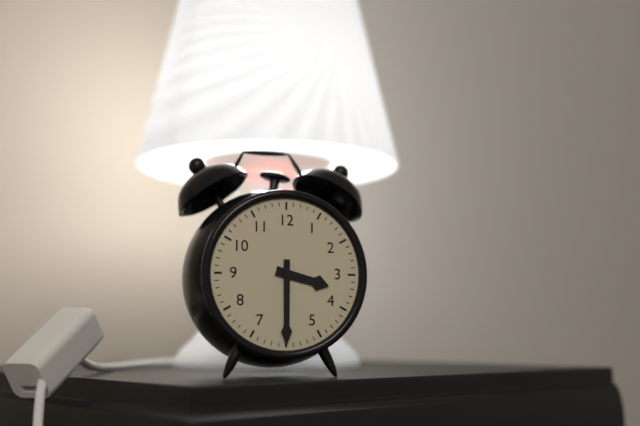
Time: h=3 m=30
